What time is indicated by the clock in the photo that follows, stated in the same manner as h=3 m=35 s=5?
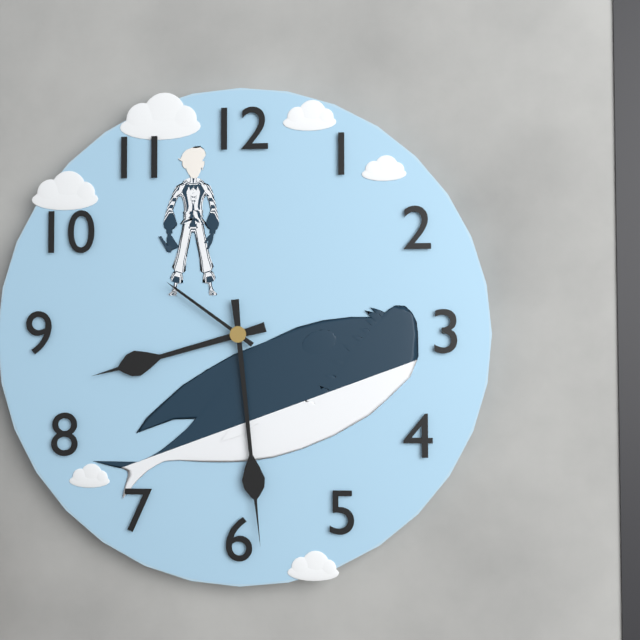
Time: h=8 m=29 s=51
